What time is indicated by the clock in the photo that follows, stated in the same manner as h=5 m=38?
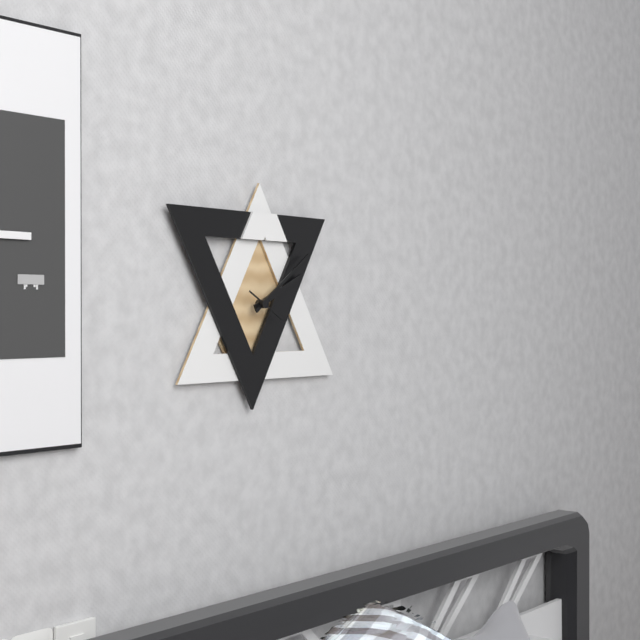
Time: h=2 m=9
